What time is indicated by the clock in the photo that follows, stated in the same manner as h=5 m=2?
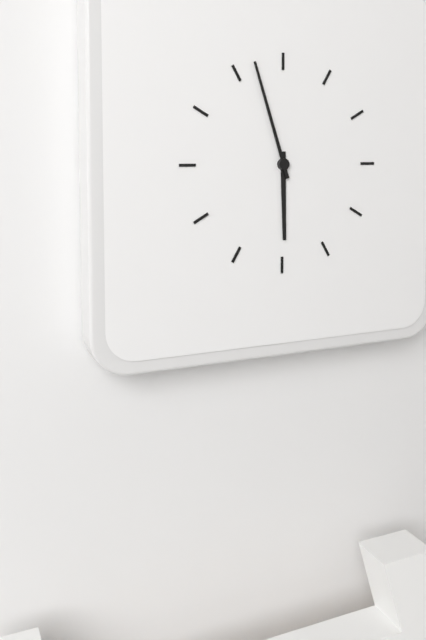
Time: h=5 m=57
